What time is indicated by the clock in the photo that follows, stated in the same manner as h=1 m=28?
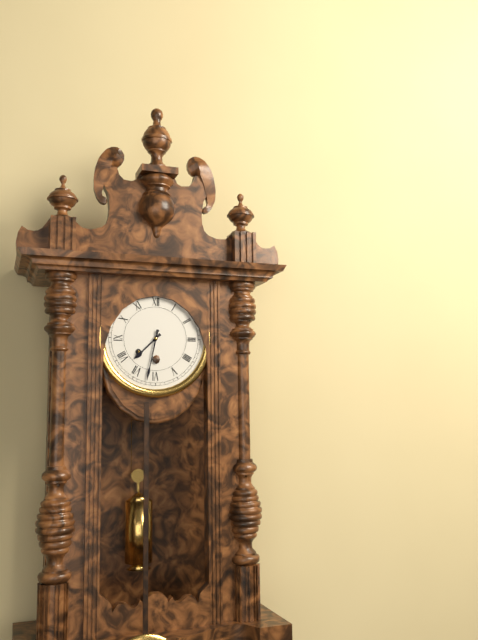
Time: h=7 m=32
